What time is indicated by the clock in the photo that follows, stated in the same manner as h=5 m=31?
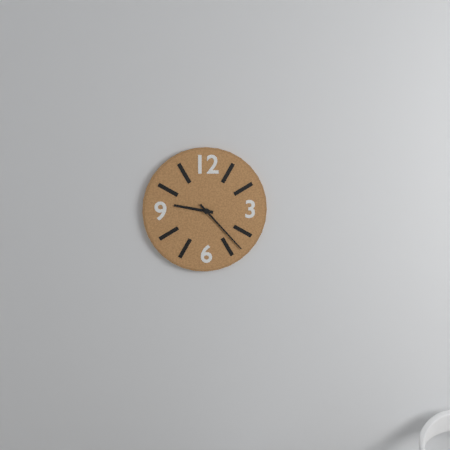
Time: h=9 m=23
